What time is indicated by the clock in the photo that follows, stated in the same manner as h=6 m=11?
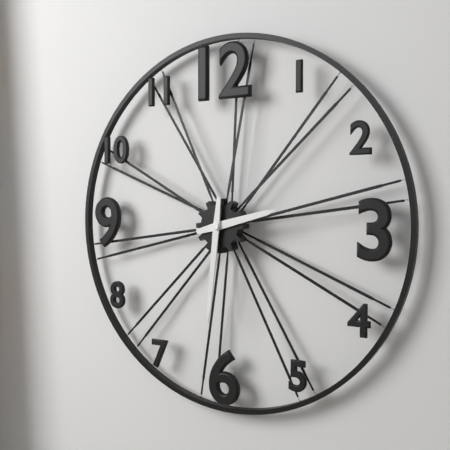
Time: h=2 m=31
